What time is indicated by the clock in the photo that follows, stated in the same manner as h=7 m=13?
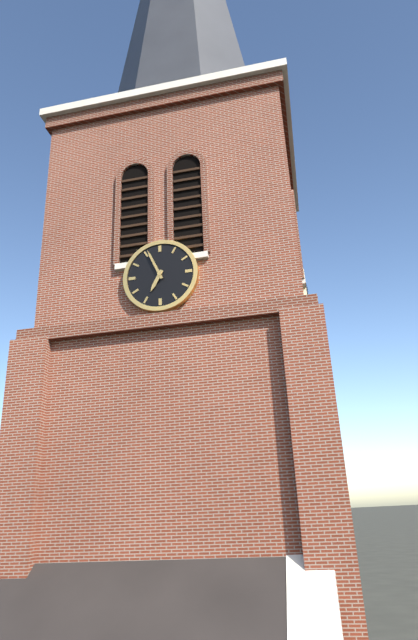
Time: h=6 m=56
